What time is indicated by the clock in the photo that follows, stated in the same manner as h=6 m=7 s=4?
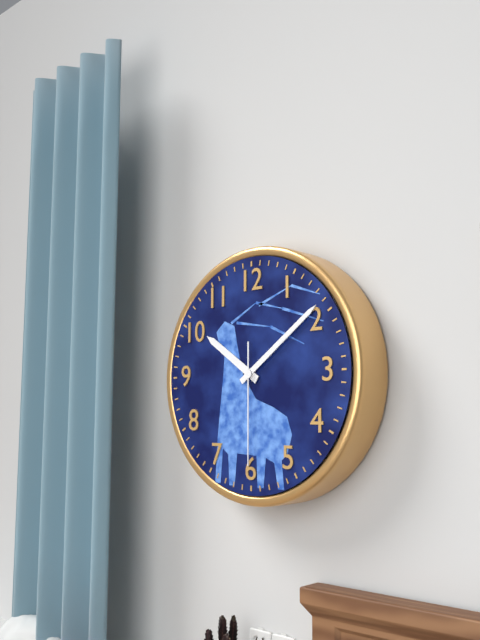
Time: h=10 m=9 s=30
